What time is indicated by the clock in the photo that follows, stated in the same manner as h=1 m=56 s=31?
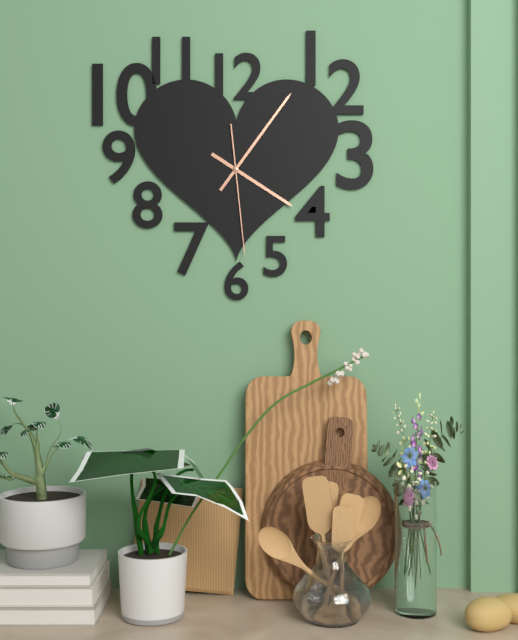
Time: h=4 m=6 s=29
